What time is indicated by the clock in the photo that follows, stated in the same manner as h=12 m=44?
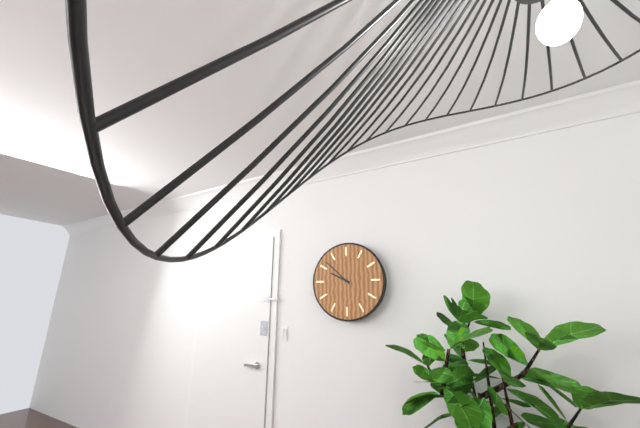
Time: h=9 m=52
